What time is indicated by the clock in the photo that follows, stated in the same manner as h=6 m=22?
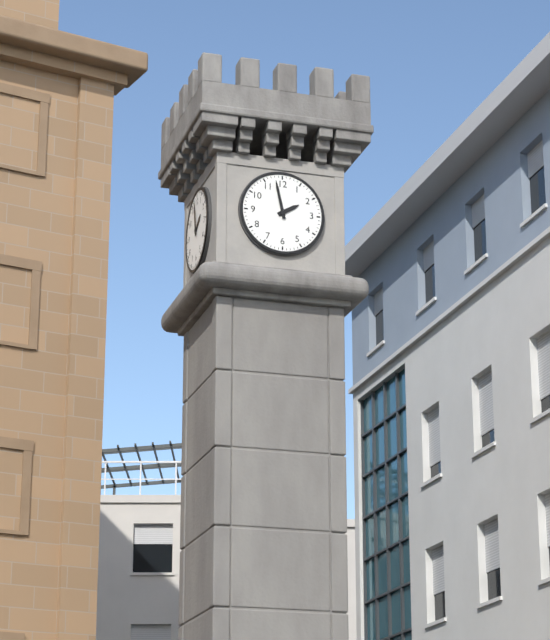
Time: h=1 m=58
